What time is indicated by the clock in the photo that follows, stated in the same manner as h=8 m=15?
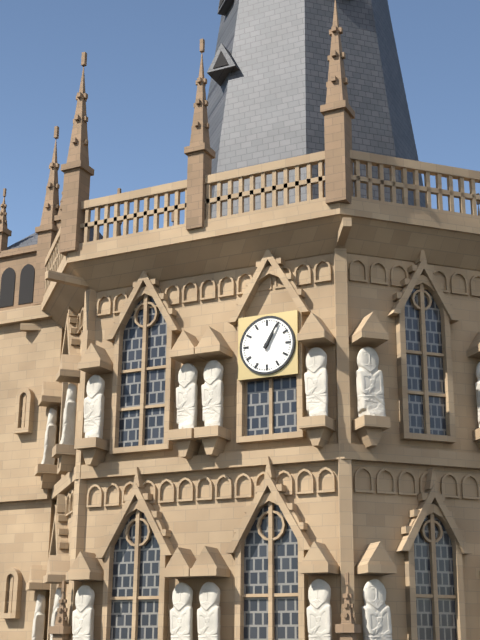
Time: h=1 m=5
